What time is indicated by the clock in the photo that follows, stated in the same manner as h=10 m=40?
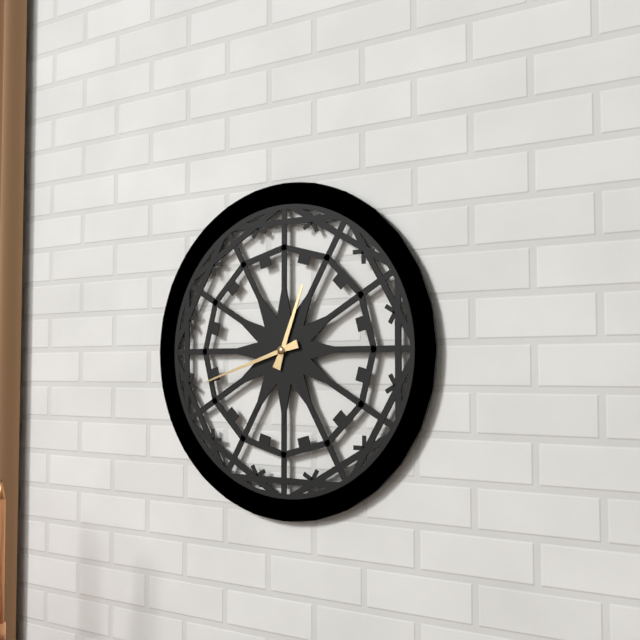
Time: h=12 m=42
